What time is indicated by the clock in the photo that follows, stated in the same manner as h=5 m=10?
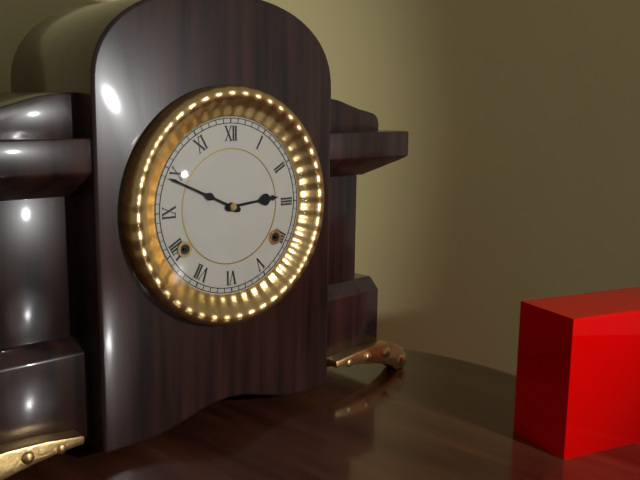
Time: h=2 m=49
